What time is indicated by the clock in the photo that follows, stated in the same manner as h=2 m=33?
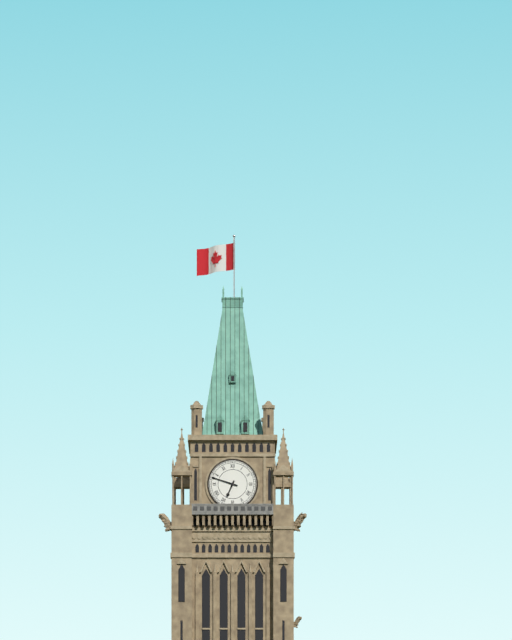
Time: h=6 m=48
